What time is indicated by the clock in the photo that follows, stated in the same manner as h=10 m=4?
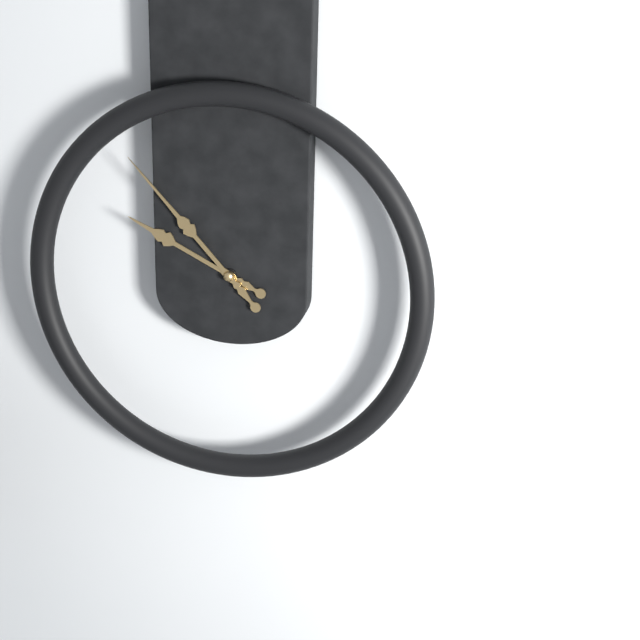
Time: h=9 m=53
